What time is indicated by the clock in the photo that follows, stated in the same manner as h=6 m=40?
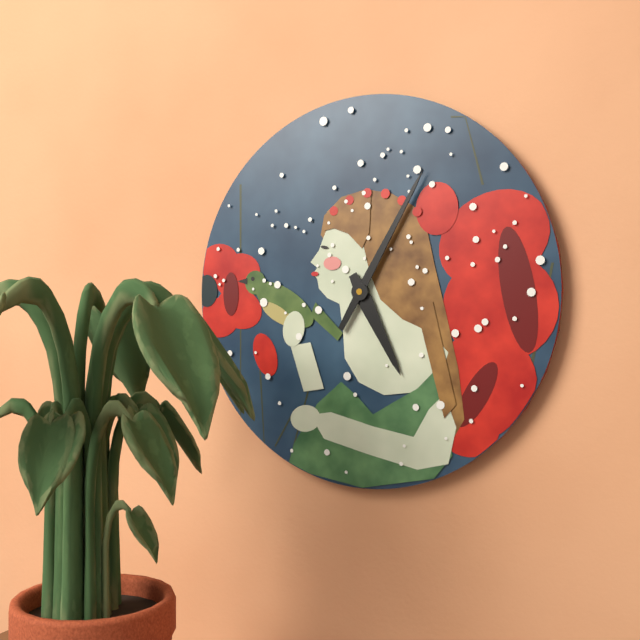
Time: h=5 m=5
